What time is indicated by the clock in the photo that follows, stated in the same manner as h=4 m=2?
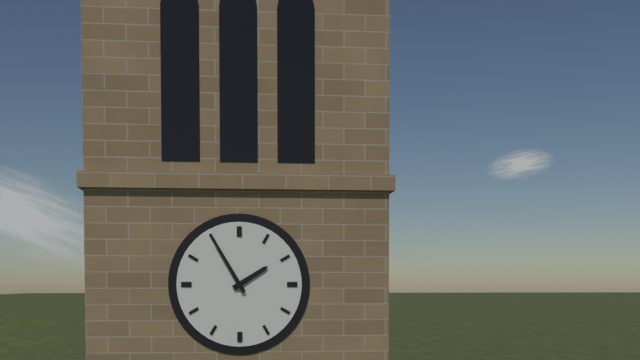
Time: h=1 m=55
